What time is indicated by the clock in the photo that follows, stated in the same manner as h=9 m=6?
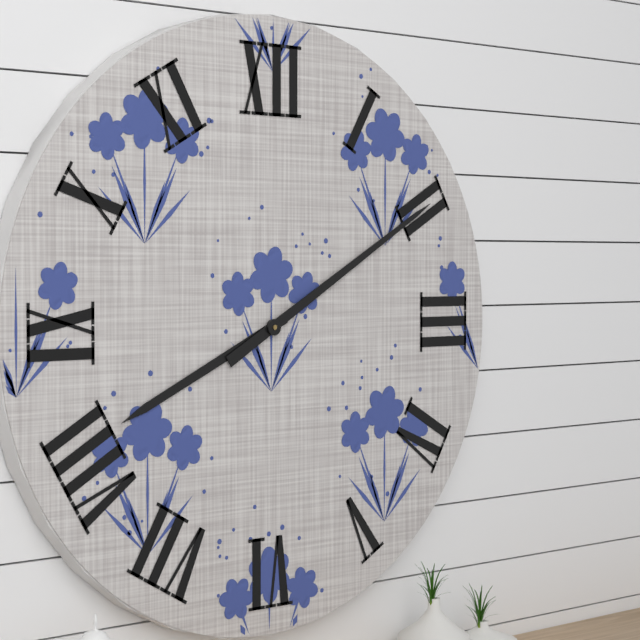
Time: h=8 m=10
